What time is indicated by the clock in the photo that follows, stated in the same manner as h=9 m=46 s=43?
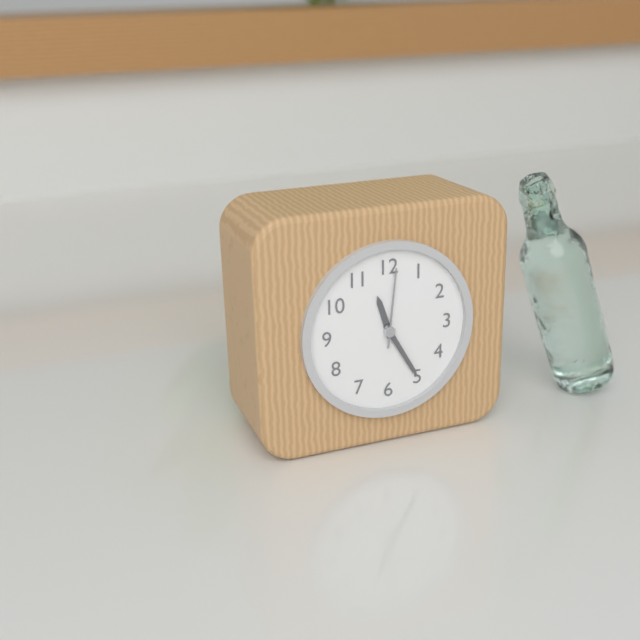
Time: h=11 m=25 s=1
